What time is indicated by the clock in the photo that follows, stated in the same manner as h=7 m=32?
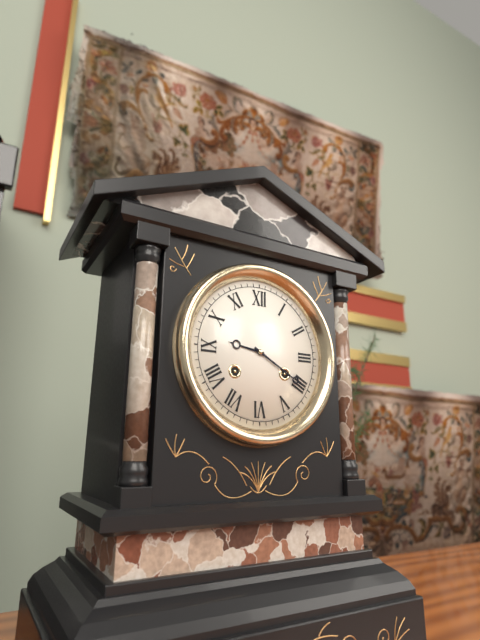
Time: h=9 m=20
